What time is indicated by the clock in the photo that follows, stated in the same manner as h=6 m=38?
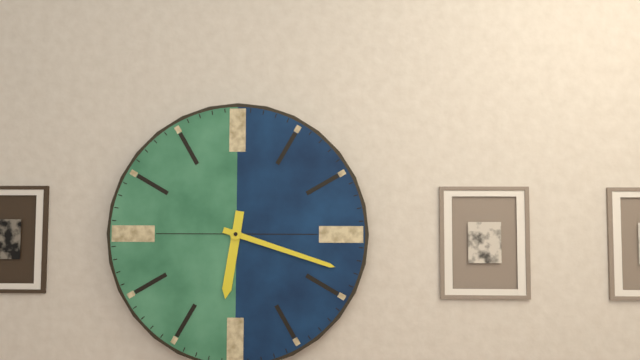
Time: h=6 m=18
